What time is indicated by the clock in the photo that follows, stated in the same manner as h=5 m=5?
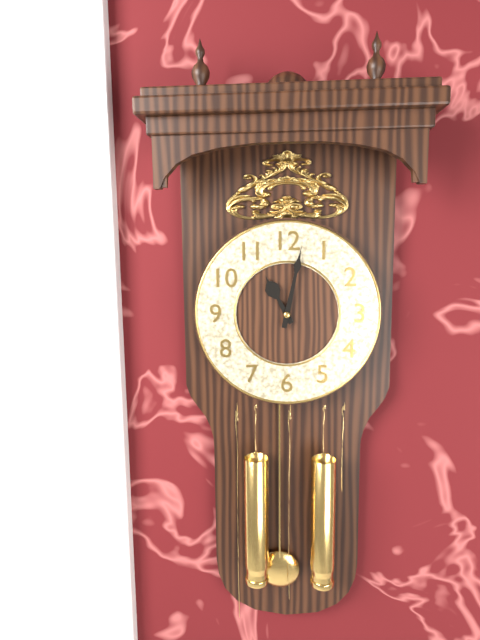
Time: h=11 m=2
